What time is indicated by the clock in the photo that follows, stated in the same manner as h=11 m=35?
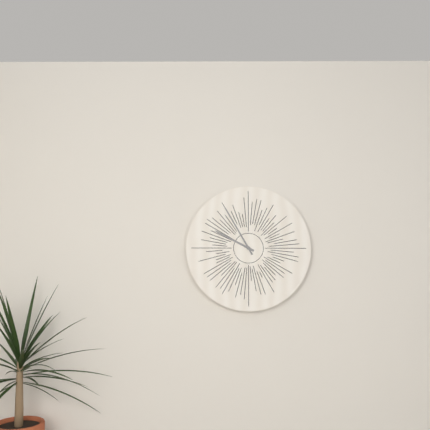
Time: h=9 m=55
